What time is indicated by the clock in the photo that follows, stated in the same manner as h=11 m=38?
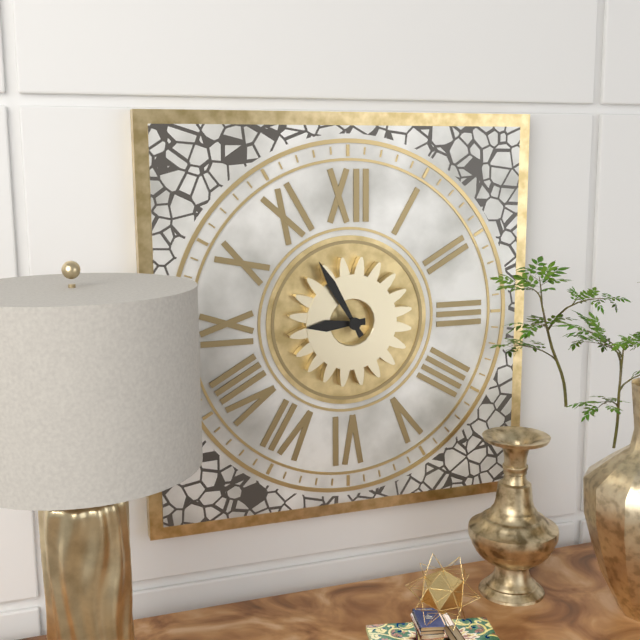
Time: h=8 m=55
